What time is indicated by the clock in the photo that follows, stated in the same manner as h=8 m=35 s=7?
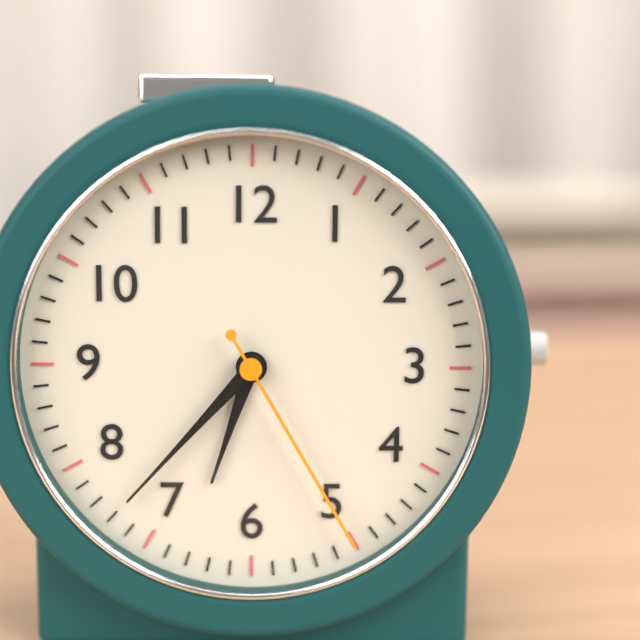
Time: h=6 m=37 s=25
